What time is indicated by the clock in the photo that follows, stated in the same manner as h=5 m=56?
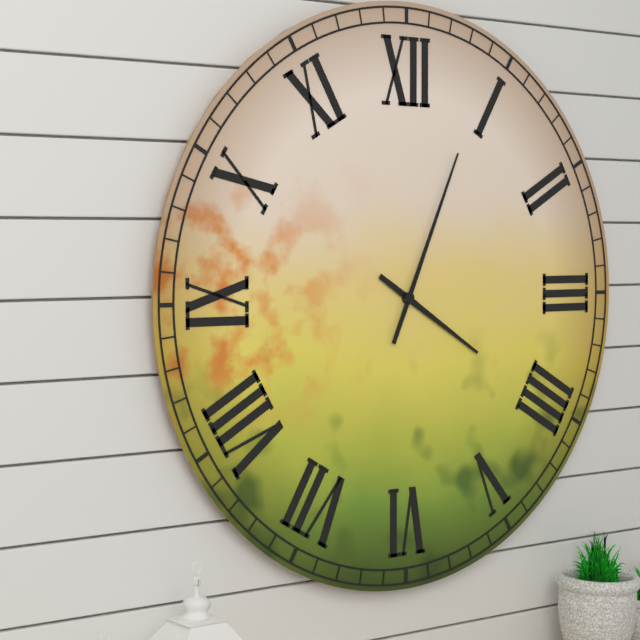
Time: h=4 m=4
